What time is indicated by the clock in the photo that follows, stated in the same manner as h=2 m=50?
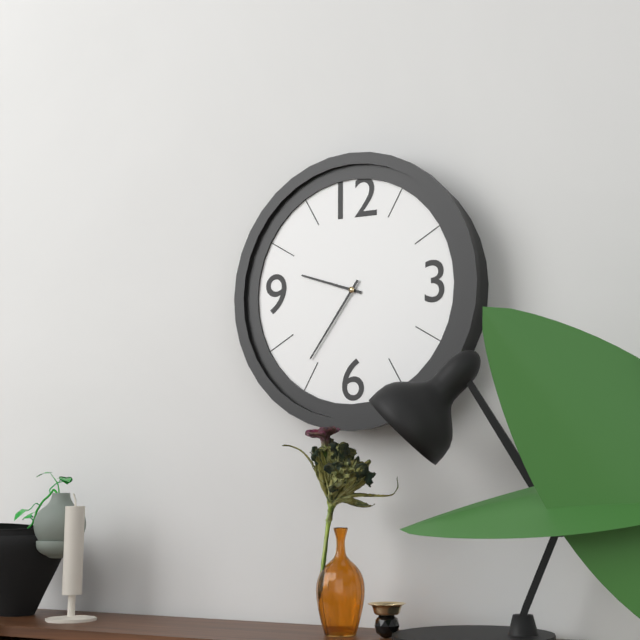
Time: h=9 m=36
